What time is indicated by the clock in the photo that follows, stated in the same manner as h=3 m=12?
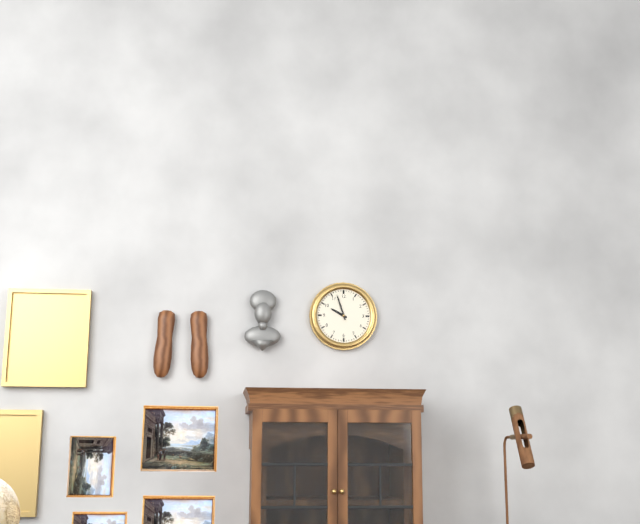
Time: h=9 m=57
